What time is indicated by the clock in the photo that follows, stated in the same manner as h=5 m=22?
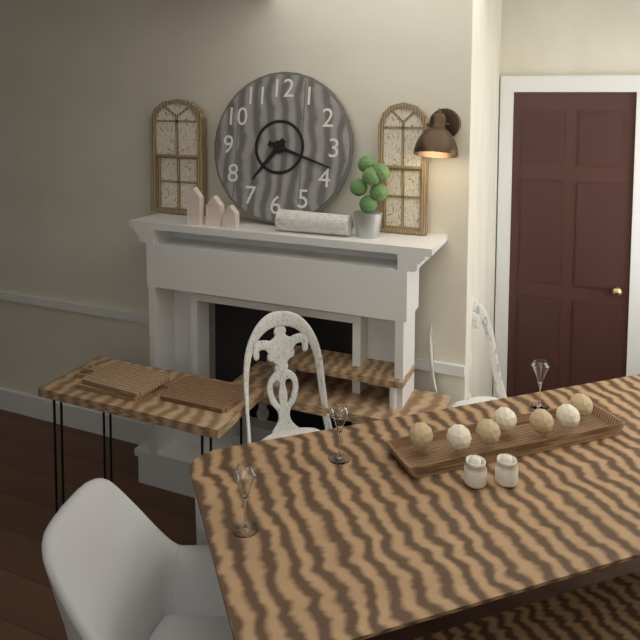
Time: h=7 m=18
